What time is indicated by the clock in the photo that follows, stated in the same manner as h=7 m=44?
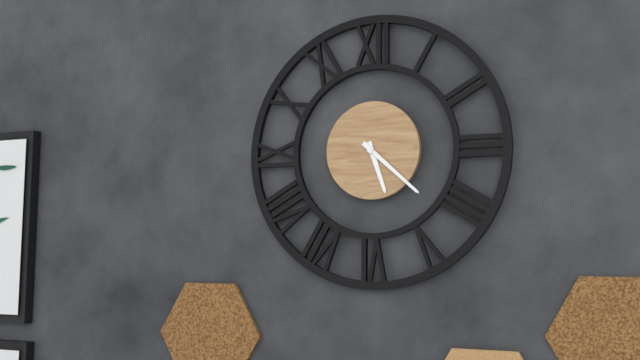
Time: h=5 m=22
